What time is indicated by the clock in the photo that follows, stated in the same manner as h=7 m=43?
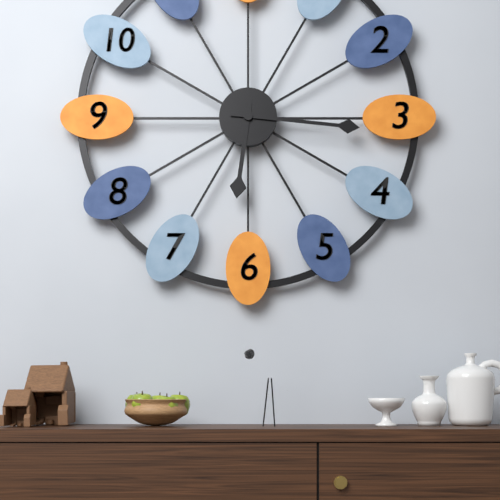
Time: h=6 m=16
